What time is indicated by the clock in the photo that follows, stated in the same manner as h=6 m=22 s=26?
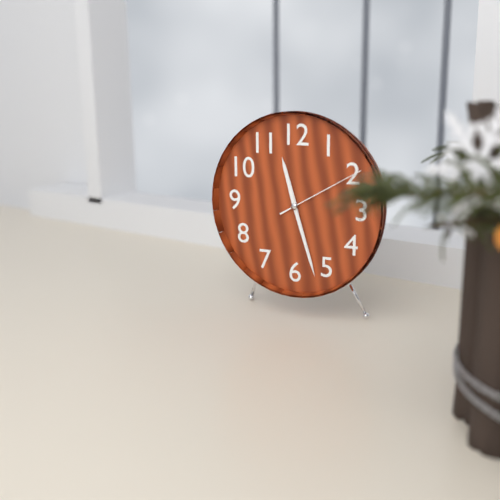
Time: h=11 m=27 s=10
